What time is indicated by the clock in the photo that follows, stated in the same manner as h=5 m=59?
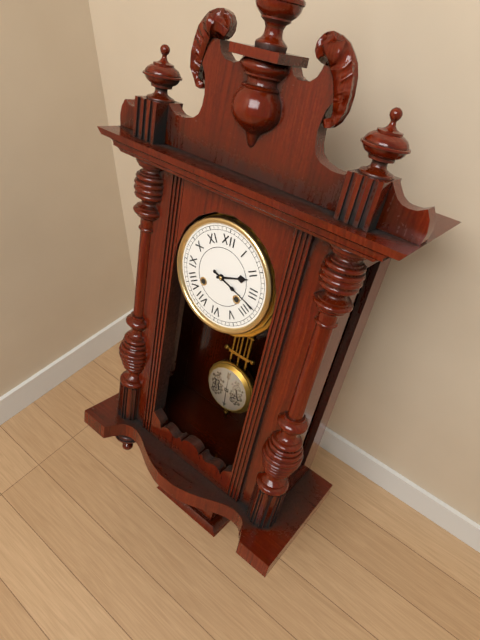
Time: h=2 m=18
